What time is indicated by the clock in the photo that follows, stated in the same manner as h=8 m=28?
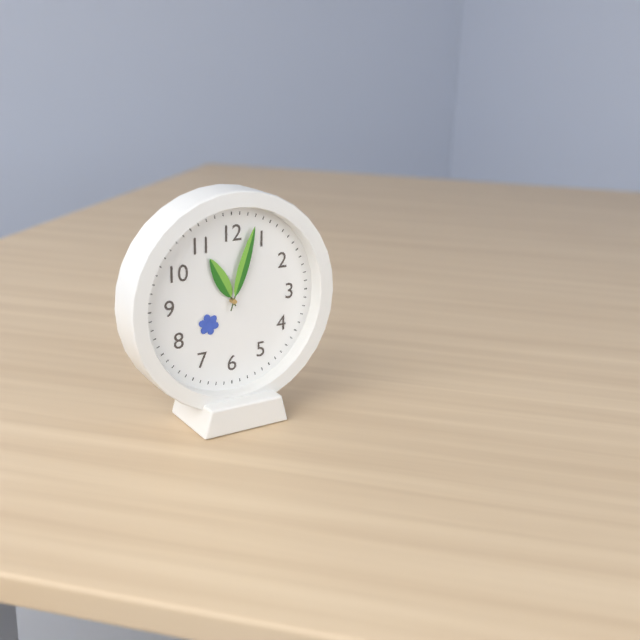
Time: h=11 m=3
